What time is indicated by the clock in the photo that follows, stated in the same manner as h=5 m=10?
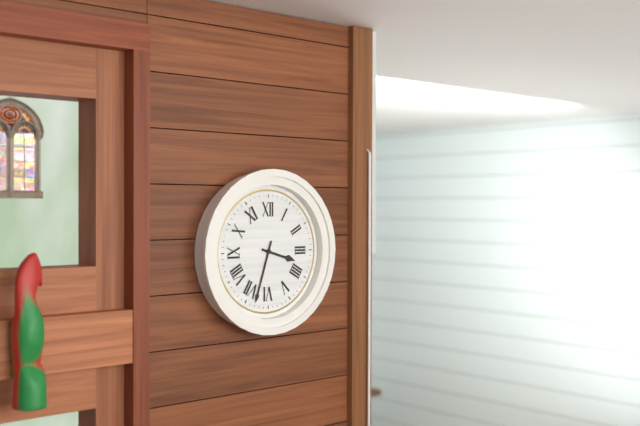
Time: h=3 m=33
